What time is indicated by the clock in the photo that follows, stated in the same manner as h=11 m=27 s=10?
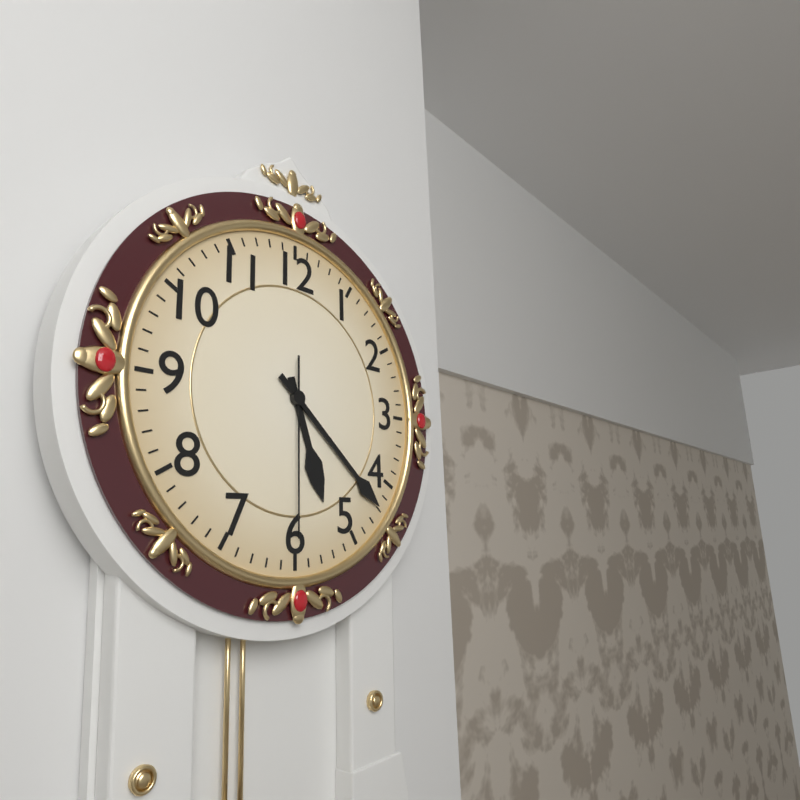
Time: h=5 m=22 s=30
